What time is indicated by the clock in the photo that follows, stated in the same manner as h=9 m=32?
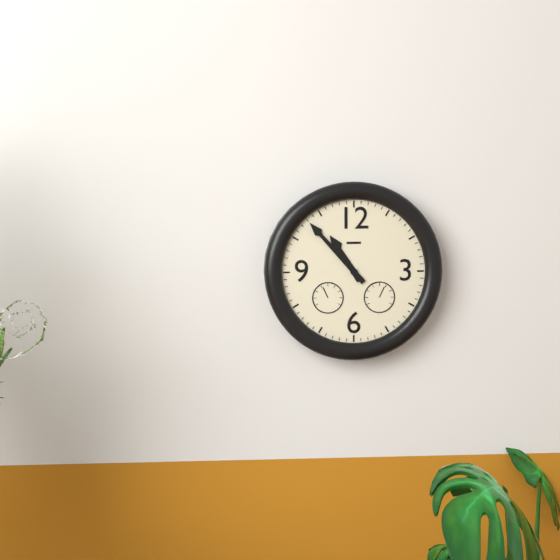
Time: h=10 m=53
